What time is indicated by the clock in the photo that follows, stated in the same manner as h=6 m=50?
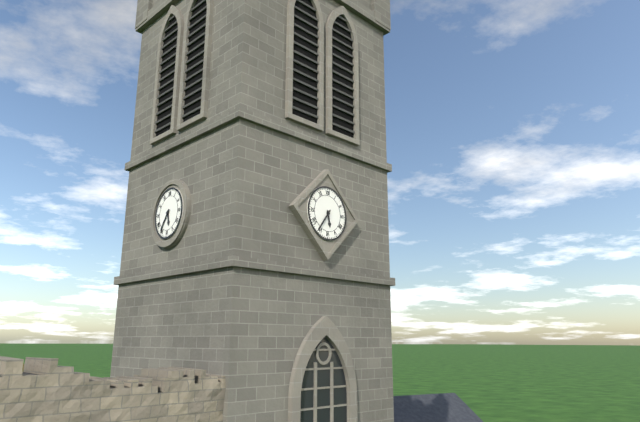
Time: h=5 m=36
